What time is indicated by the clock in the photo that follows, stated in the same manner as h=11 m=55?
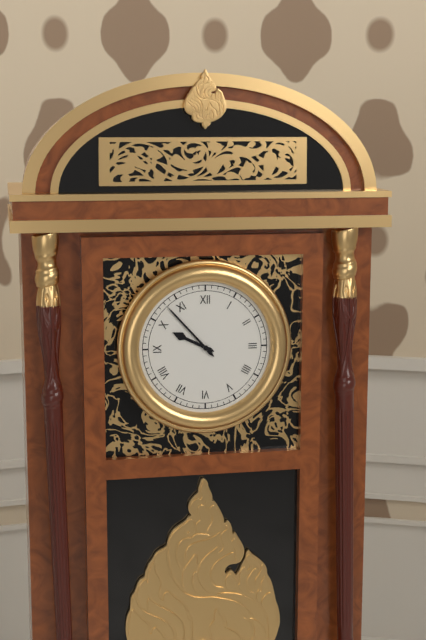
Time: h=9 m=53
